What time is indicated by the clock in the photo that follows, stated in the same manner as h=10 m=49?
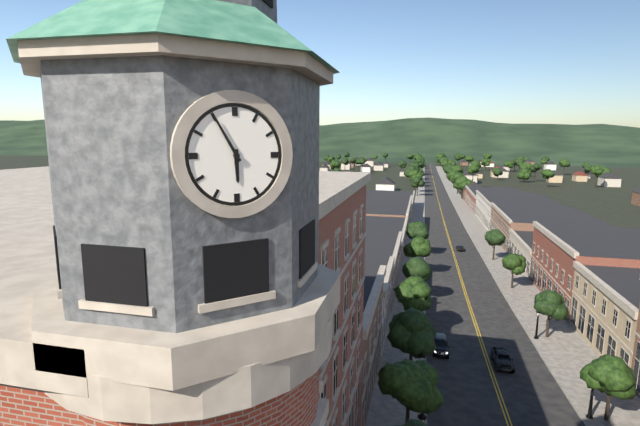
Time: h=5 m=55
